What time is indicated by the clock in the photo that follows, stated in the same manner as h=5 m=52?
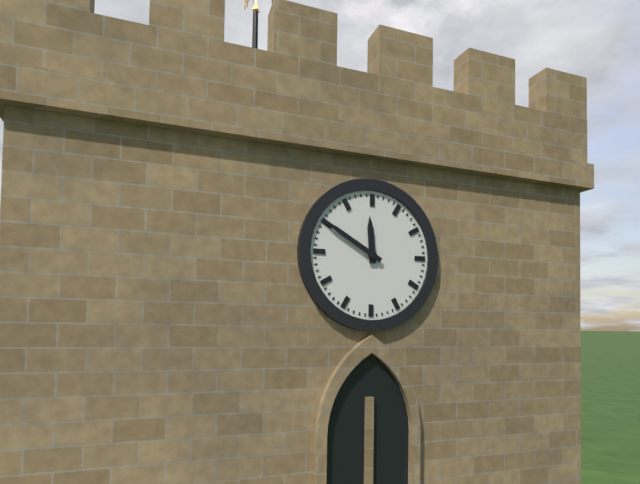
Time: h=11 m=50
